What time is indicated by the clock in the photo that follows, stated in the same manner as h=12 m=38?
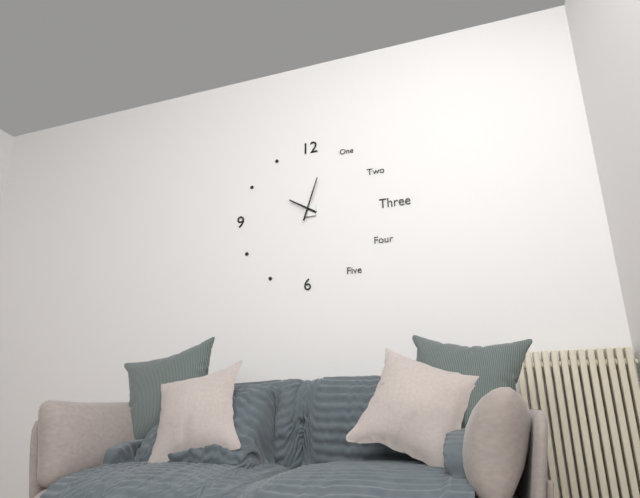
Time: h=10 m=3
